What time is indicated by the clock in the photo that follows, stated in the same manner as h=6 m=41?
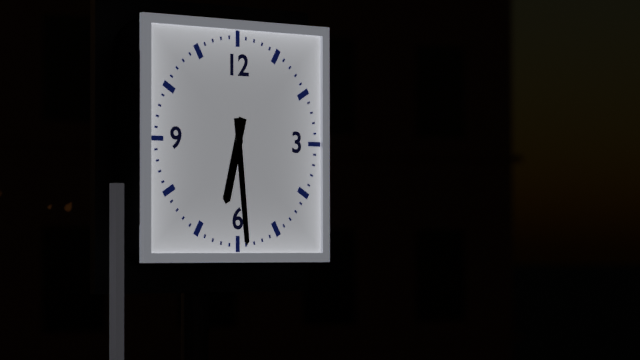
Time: h=6 m=29
